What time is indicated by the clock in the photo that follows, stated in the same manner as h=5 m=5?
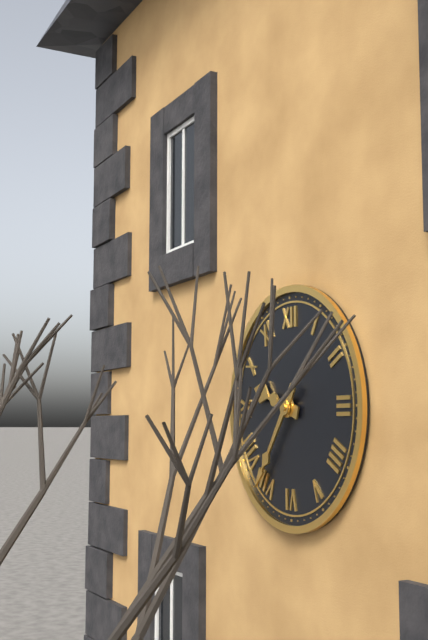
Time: h=9 m=36
